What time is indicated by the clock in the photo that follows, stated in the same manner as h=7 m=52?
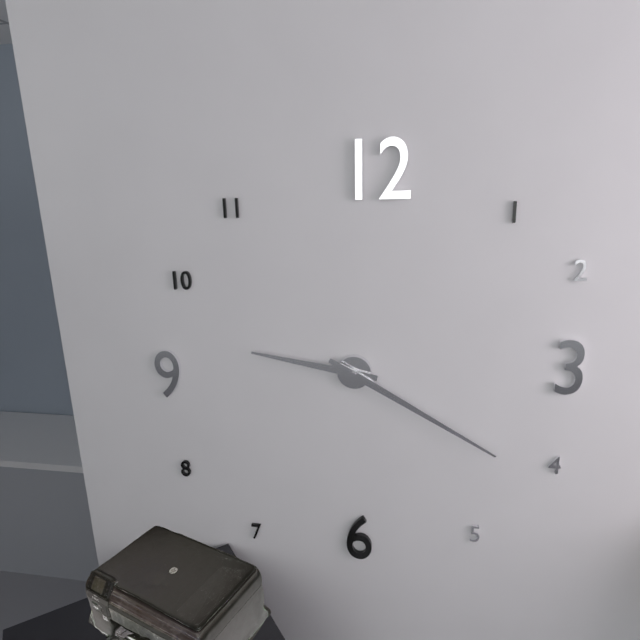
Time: h=9 m=20
